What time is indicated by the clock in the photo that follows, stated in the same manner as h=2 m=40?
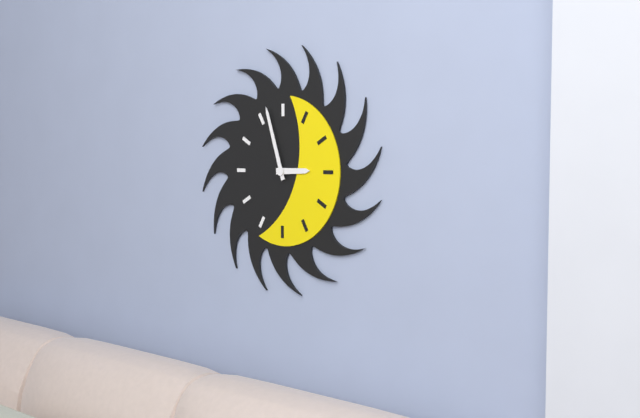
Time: h=2 m=57
